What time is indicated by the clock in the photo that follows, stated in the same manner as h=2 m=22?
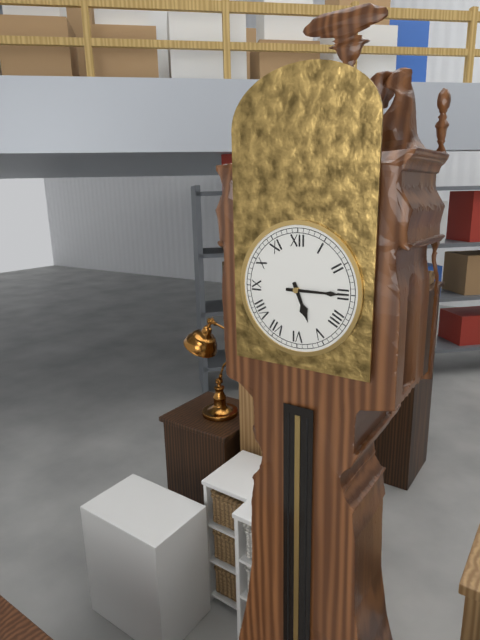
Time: h=5 m=15
